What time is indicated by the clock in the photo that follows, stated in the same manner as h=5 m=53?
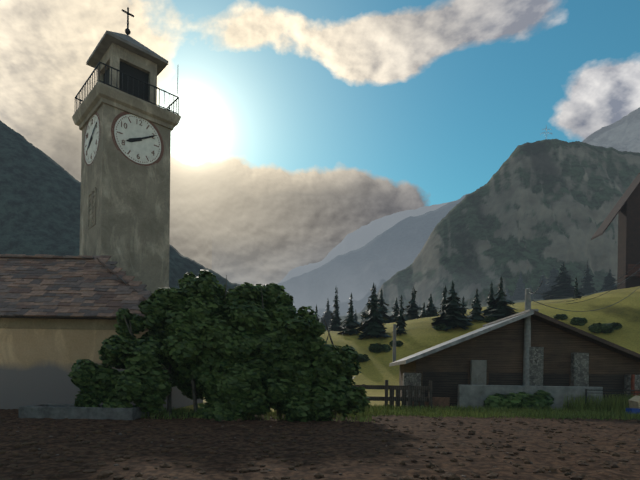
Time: h=8 m=10
